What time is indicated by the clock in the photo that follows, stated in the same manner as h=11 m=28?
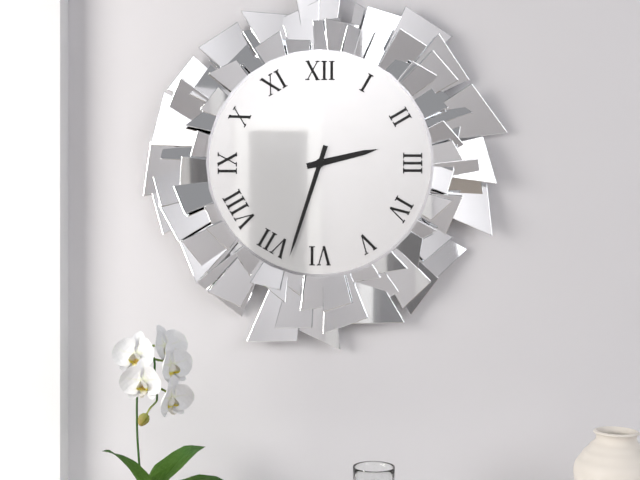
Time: h=2 m=33
